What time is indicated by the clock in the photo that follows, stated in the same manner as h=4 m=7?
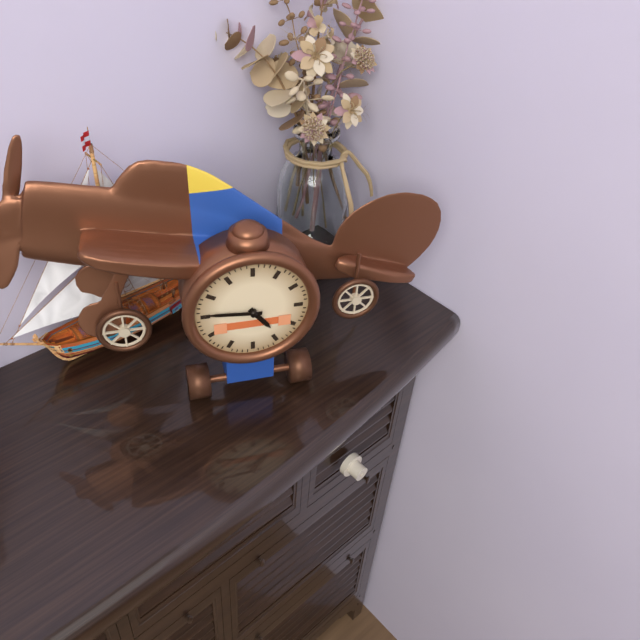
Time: h=4 m=46
